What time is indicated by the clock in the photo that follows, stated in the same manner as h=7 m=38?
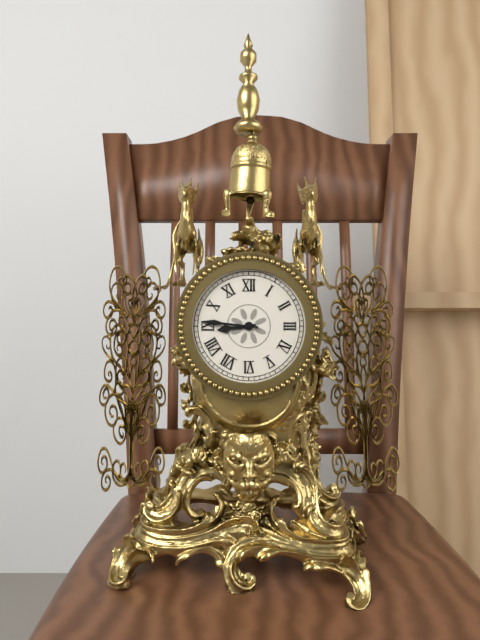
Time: h=8 m=46
